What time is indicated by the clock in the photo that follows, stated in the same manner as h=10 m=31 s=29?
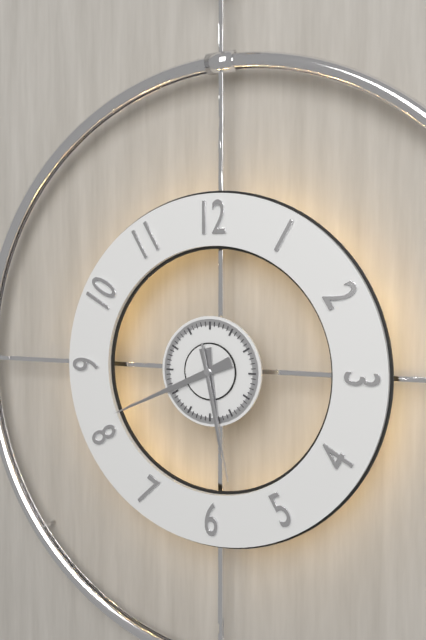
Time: h=5 m=41 s=28
